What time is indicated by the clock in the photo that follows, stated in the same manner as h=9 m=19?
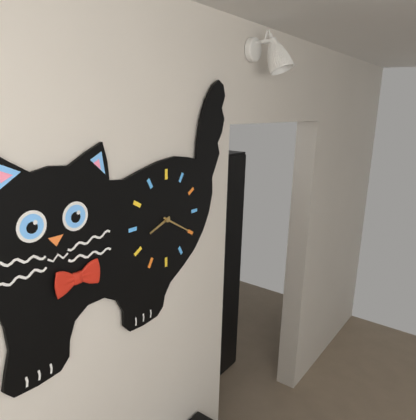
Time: h=8 m=20
